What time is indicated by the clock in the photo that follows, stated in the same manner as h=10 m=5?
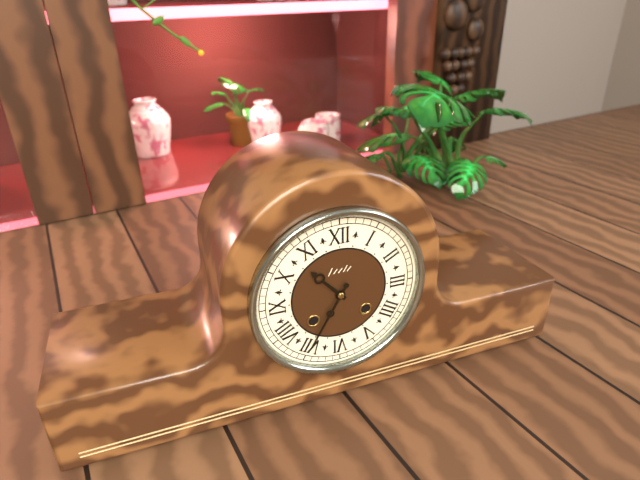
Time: h=10 m=35
